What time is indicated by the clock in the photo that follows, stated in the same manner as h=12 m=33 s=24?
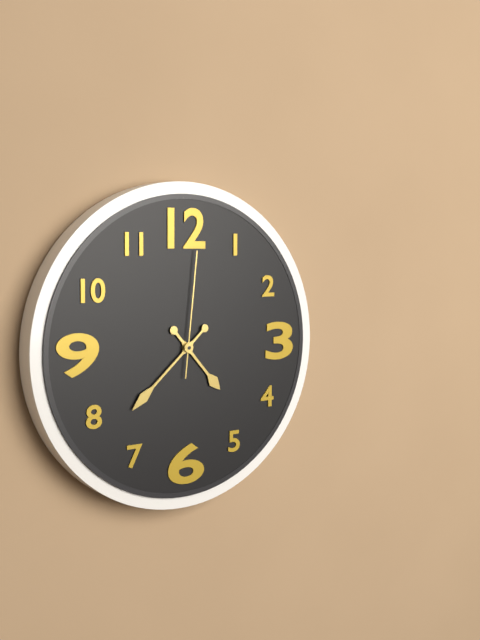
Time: h=4 m=38 s=1
